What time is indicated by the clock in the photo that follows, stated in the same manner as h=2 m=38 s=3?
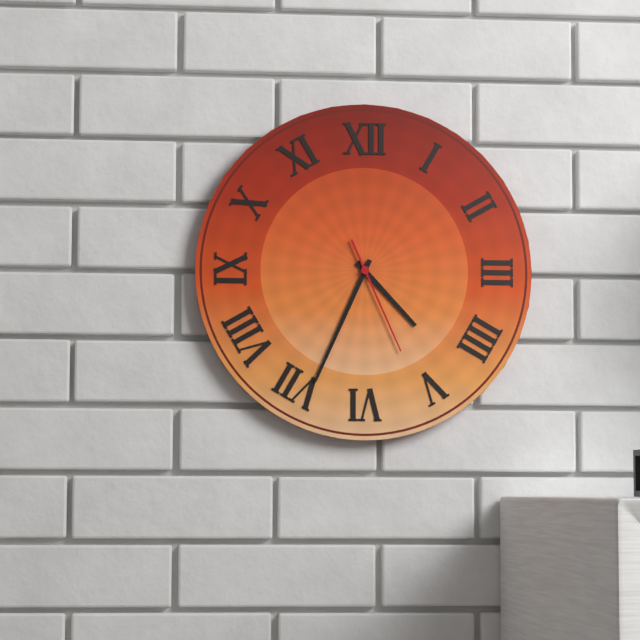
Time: h=4 m=34 s=26
